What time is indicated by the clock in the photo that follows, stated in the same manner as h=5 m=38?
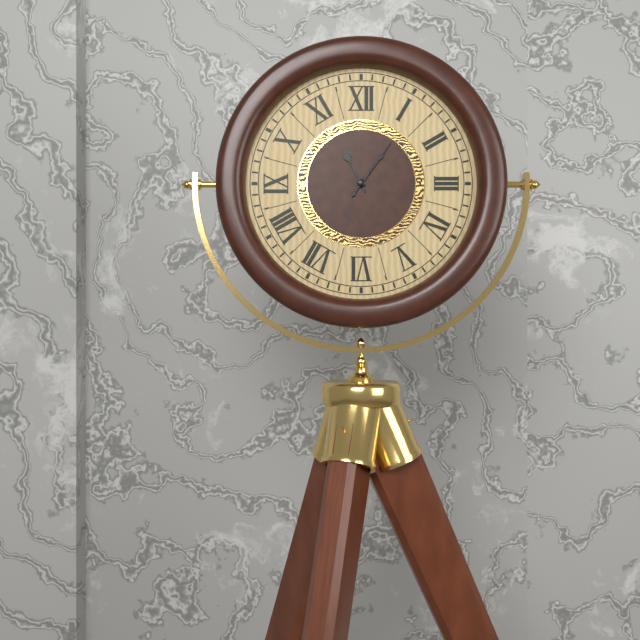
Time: h=11 m=6
